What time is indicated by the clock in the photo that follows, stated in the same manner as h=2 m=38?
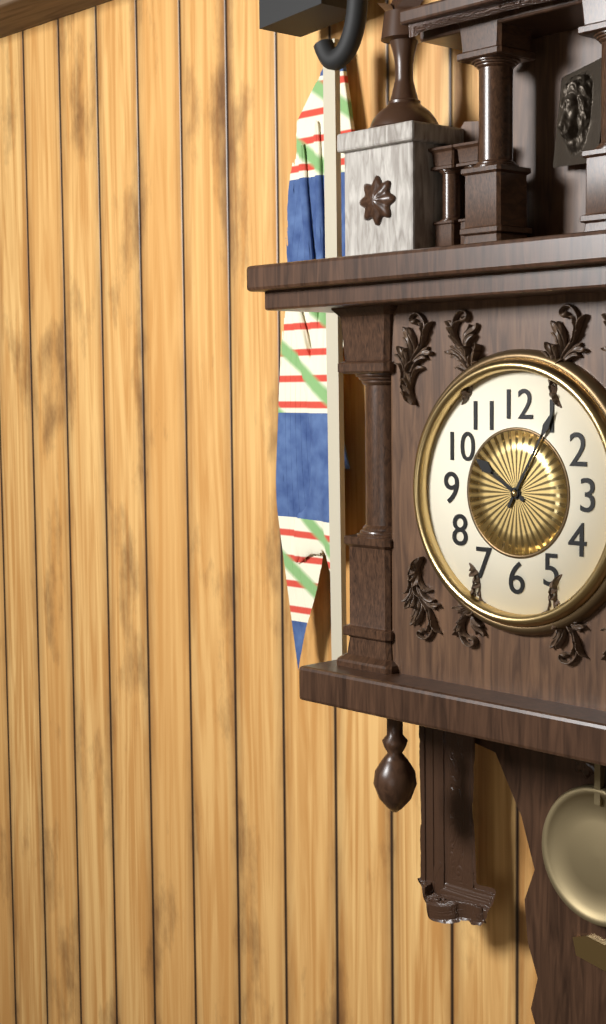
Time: h=10 m=5
